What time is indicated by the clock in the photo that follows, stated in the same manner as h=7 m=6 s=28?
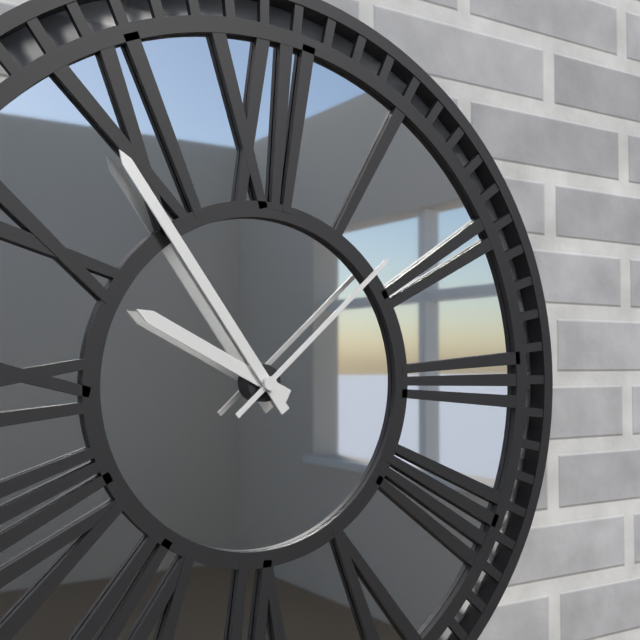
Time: h=9 m=54 s=8
